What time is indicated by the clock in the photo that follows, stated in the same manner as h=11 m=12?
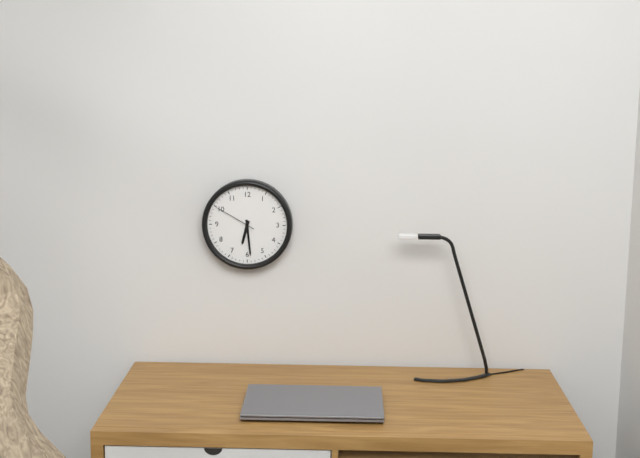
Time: h=6 m=29
